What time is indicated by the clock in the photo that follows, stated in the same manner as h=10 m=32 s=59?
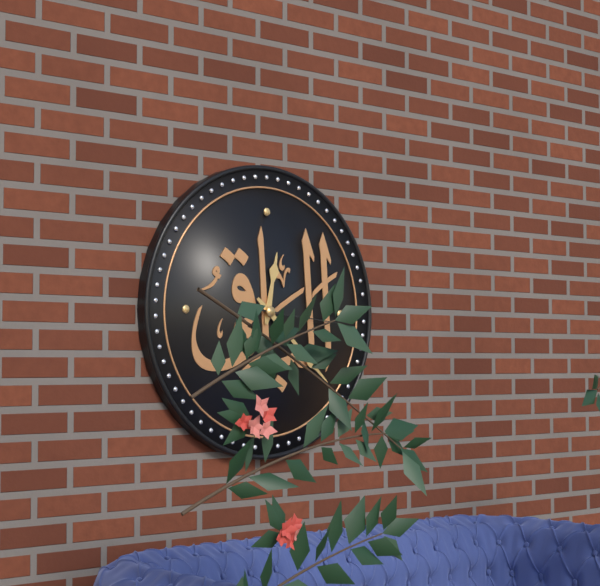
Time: h=12 m=22 s=16
